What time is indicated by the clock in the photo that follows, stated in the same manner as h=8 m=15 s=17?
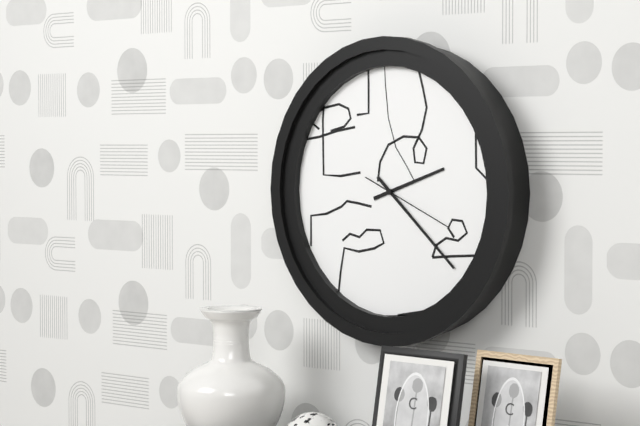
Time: h=2 m=22 s=19
